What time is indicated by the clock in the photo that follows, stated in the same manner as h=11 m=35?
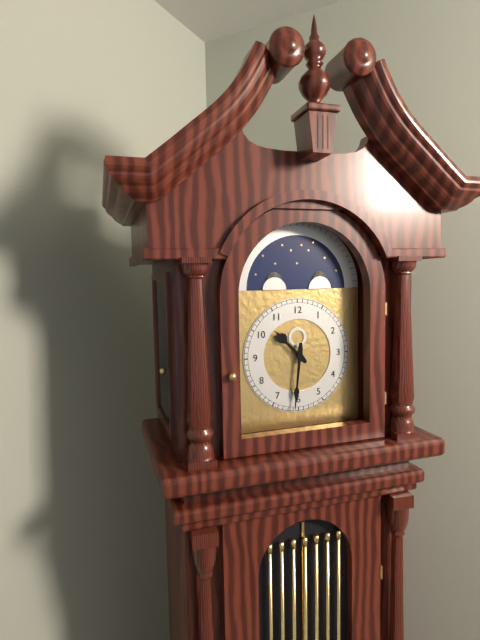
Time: h=10 m=31
